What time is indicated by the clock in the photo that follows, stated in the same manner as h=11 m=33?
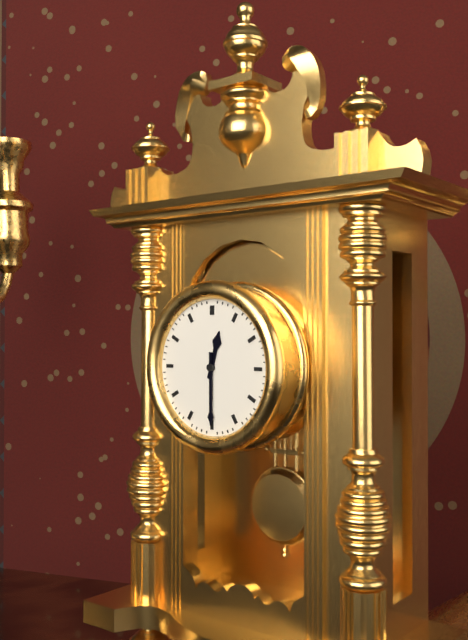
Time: h=12 m=30
